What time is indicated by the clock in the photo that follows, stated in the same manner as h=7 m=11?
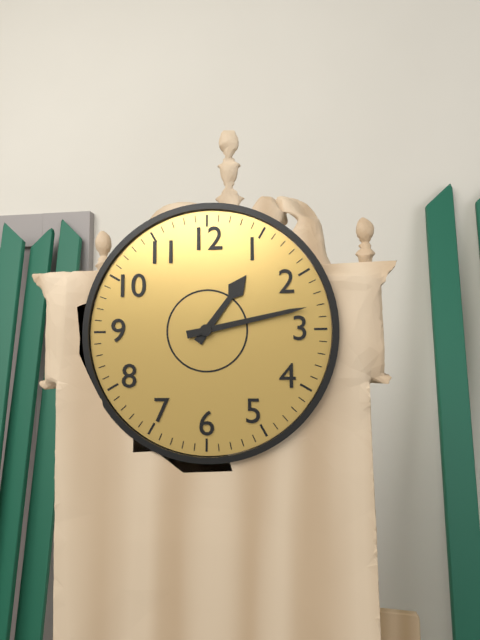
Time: h=1 m=13
